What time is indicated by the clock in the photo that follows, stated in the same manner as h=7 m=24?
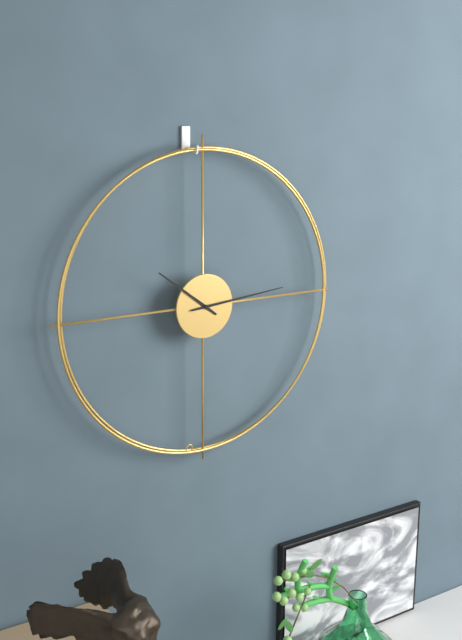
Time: h=10 m=14
